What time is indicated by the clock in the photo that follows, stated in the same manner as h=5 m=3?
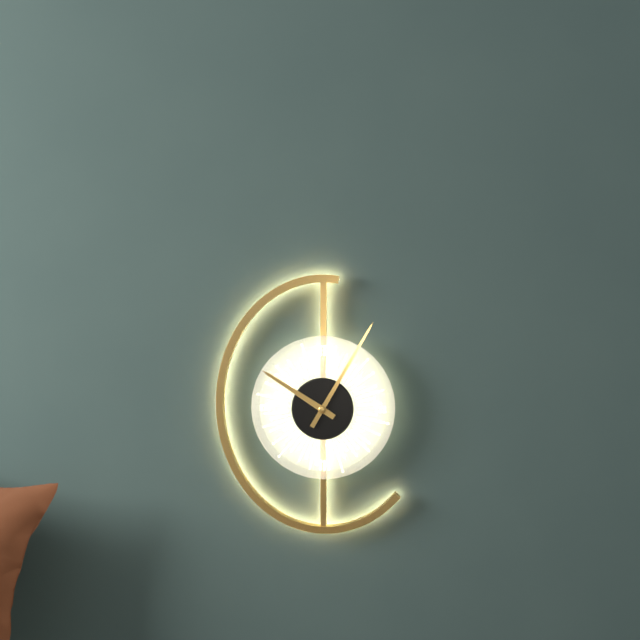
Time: h=10 m=5
